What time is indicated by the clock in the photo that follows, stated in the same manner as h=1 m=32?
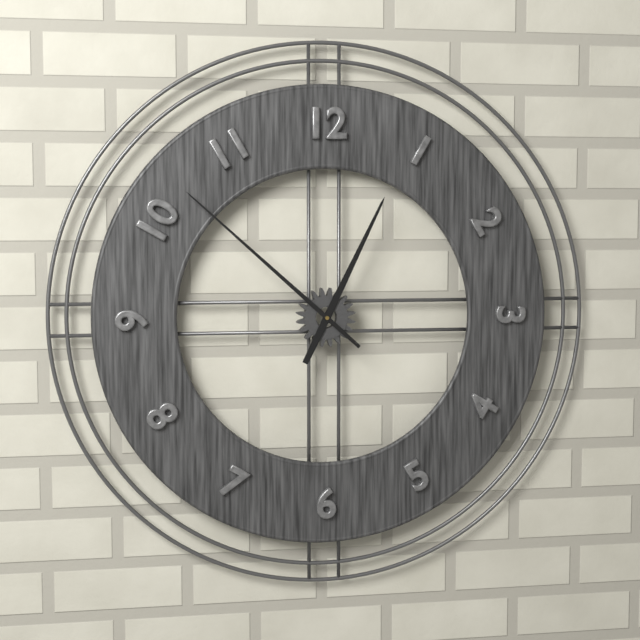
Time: h=12 m=52
